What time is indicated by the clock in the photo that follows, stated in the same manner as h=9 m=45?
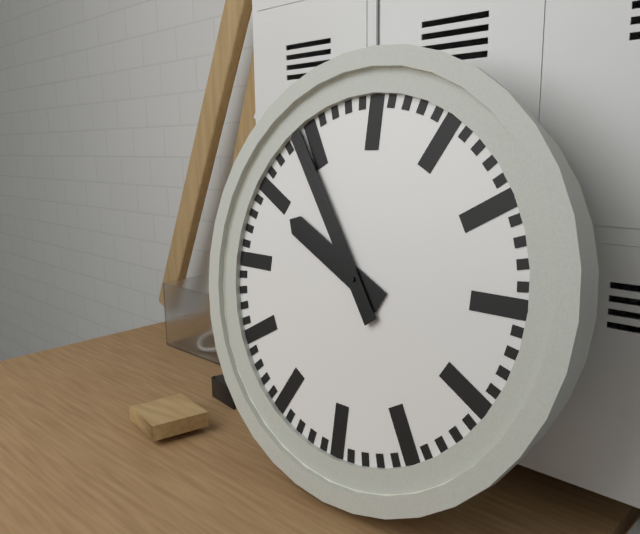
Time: h=9 m=54
